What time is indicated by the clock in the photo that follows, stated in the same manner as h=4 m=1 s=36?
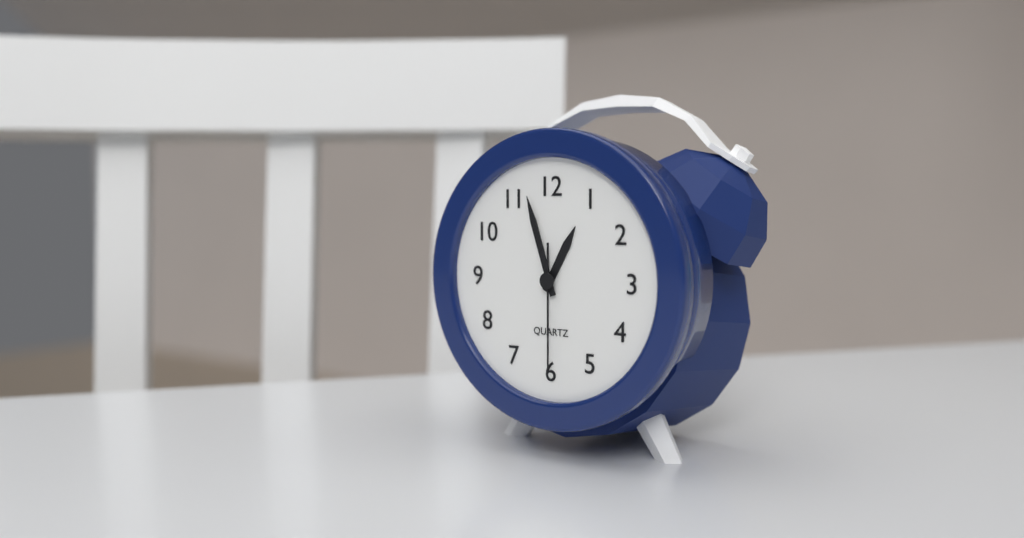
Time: h=12 m=57 s=30
